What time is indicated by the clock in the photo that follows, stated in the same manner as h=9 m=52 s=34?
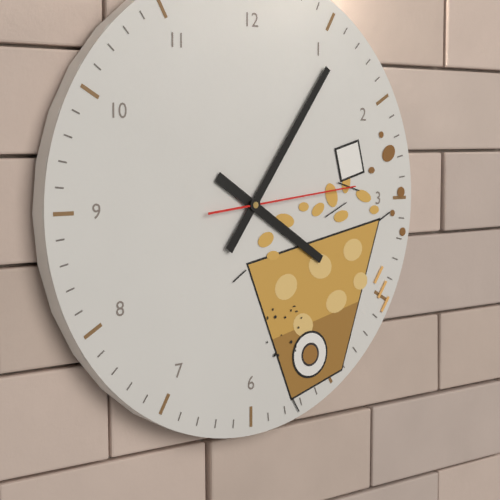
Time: h=4 m=6 s=14
